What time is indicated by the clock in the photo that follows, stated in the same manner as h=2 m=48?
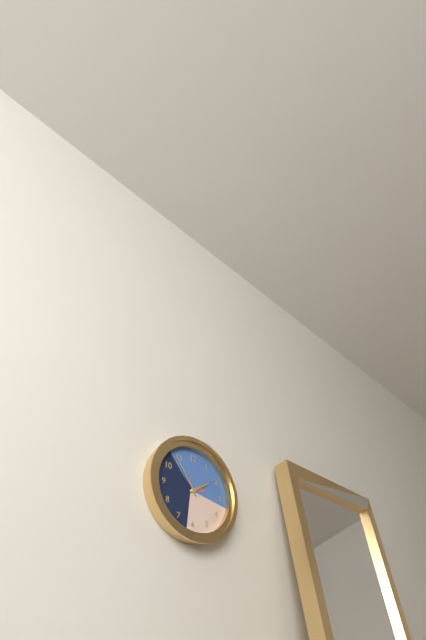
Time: h=1 m=54
